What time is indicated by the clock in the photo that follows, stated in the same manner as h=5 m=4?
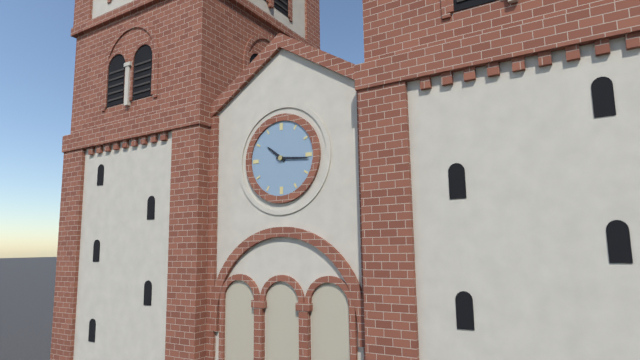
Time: h=10 m=16
